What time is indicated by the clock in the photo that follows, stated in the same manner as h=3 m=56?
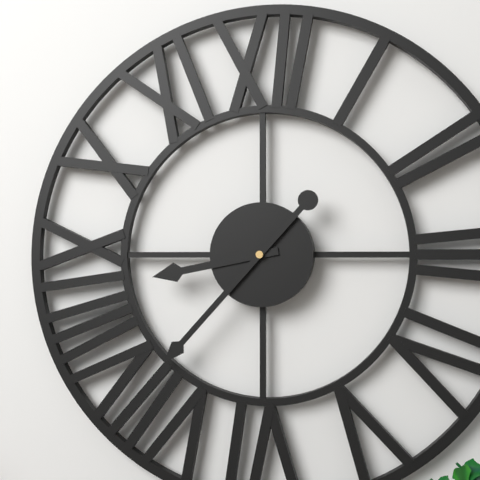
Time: h=8 m=37
